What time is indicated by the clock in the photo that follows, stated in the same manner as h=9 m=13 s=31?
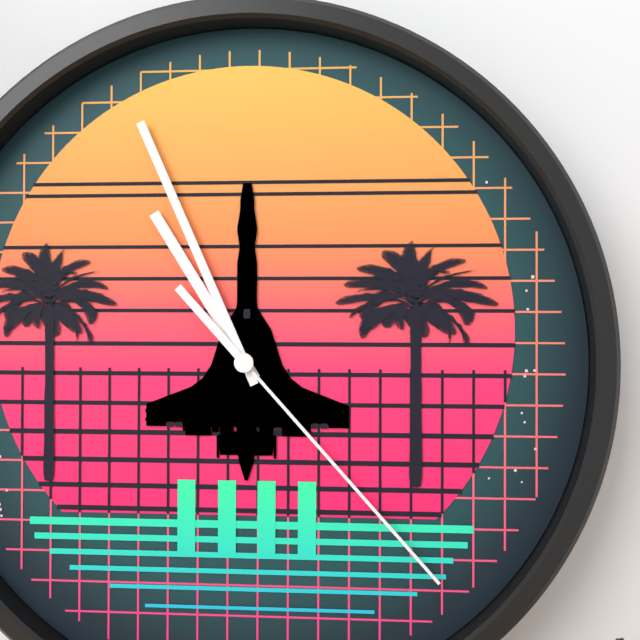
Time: h=10 m=56 s=23
